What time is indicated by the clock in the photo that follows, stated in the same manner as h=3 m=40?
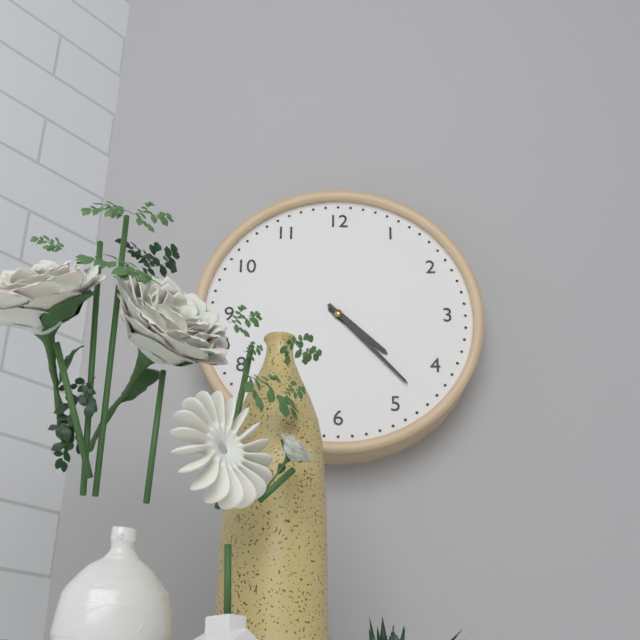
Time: h=4 m=23
